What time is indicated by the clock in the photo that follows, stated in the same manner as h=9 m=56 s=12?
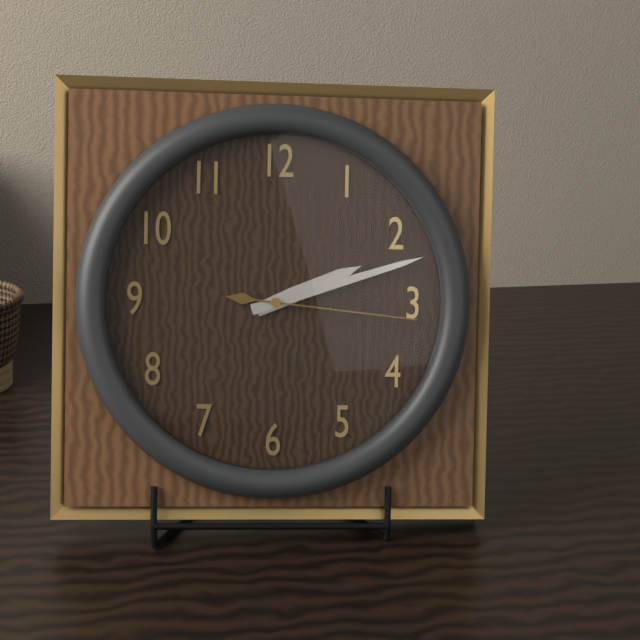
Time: h=2 m=12 s=16
